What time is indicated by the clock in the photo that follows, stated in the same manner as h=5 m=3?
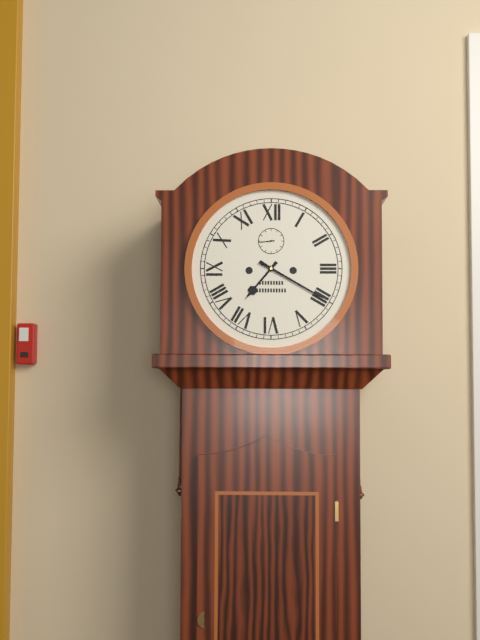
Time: h=7 m=20
